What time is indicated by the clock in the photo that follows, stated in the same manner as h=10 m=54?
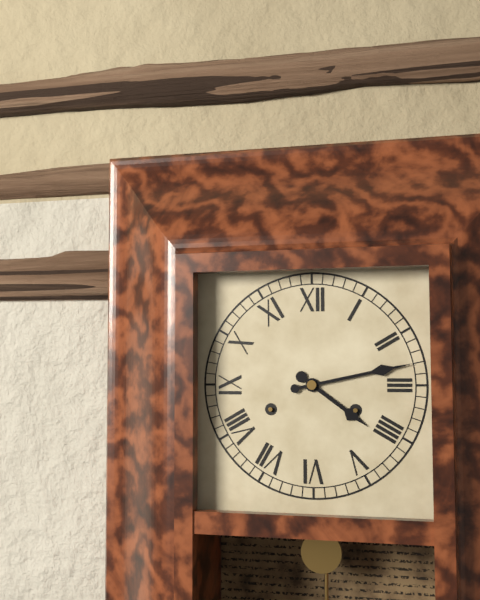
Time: h=4 m=13
